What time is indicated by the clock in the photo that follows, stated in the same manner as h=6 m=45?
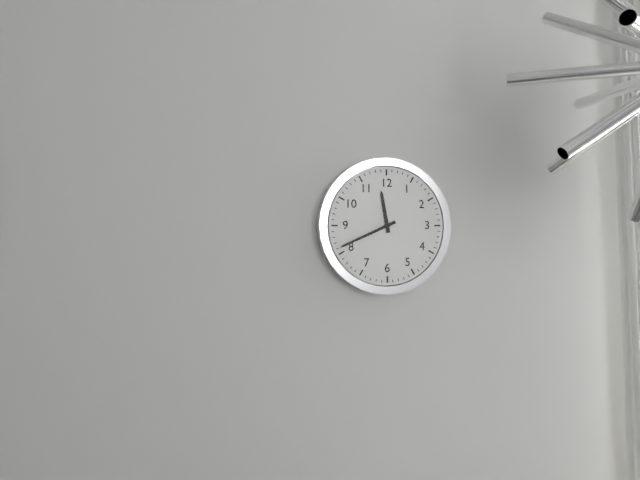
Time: h=11 m=41
